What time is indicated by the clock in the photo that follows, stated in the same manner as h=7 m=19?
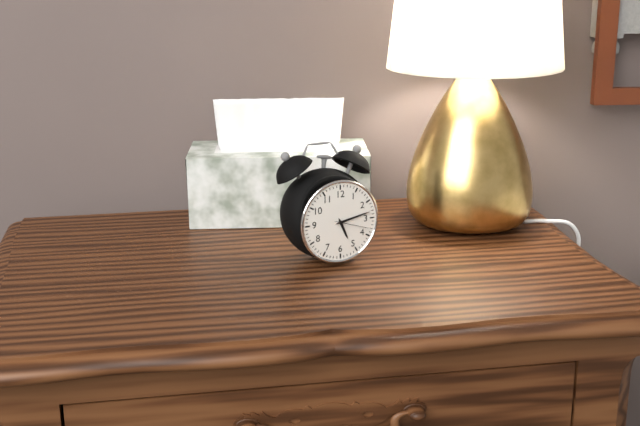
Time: h=5 m=13
